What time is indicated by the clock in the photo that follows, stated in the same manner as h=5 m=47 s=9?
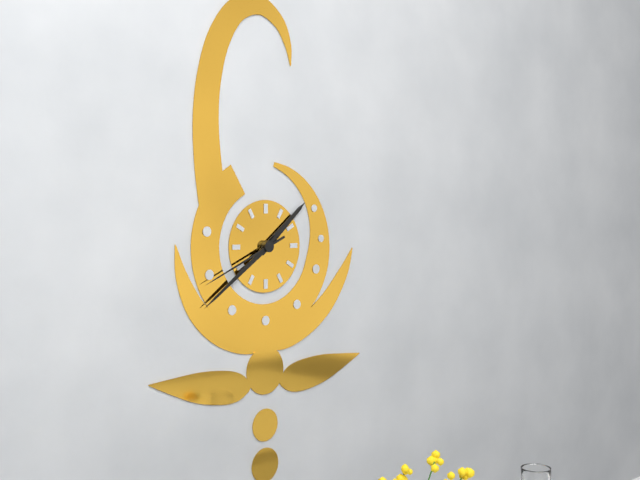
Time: h=1 m=39 s=41
